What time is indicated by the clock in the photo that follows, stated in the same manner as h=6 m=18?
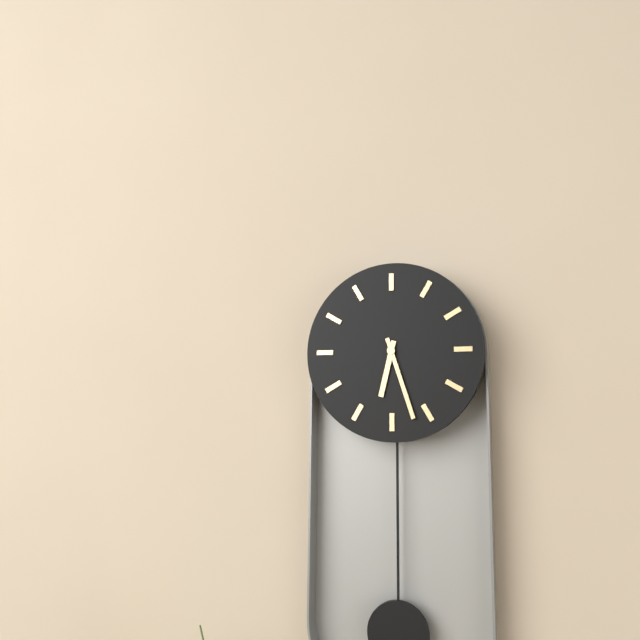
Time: h=6 m=27
